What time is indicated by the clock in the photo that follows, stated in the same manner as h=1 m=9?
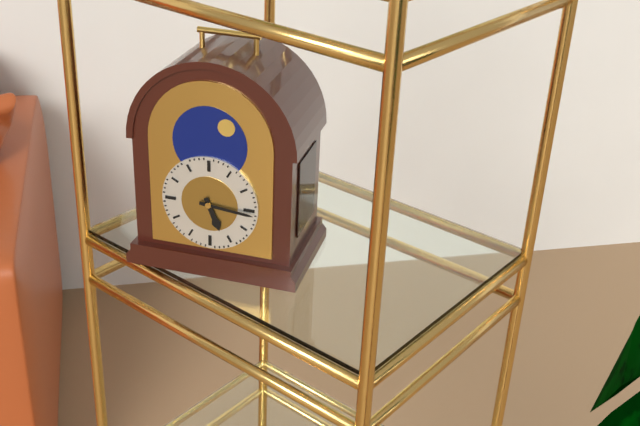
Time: h=5 m=16
